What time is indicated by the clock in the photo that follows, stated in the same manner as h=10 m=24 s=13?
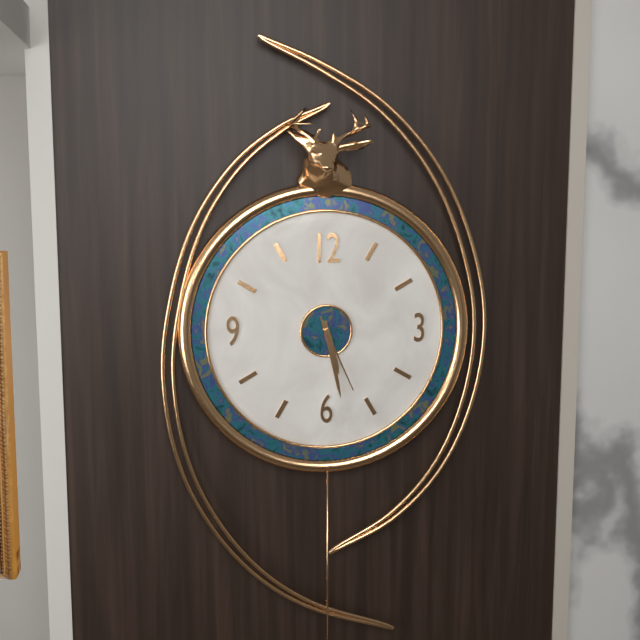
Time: h=5 m=28 s=26
